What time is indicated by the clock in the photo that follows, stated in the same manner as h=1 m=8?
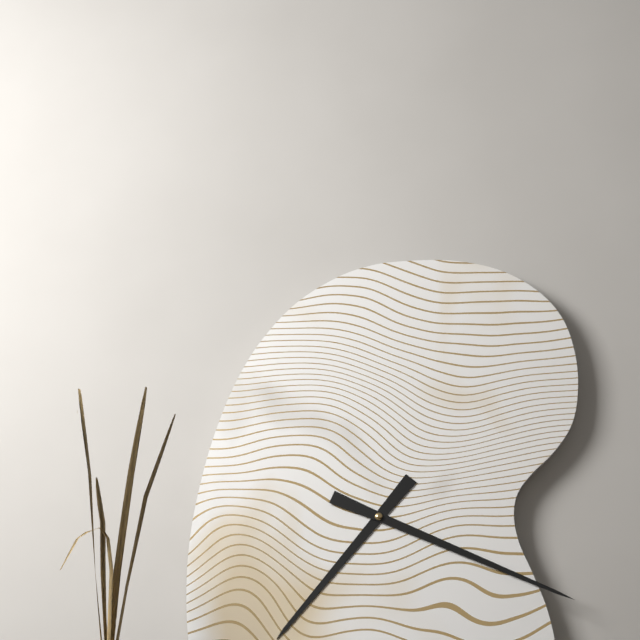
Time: h=7 m=19
